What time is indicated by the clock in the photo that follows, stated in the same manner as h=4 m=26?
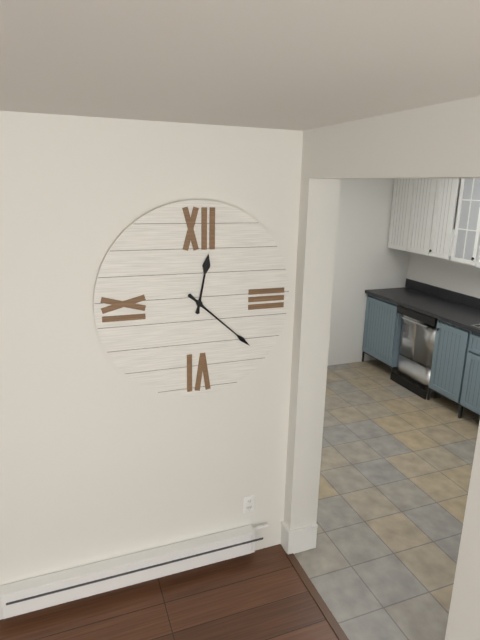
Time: h=12 m=22
